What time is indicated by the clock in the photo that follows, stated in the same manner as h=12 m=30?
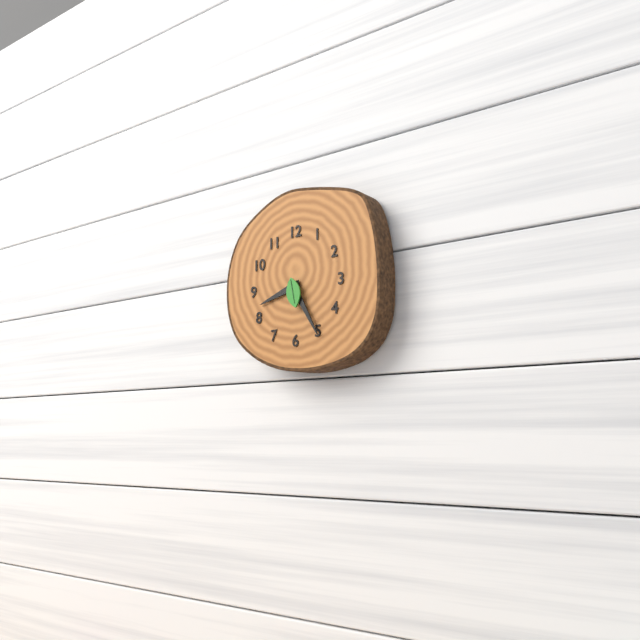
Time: h=8 m=25
